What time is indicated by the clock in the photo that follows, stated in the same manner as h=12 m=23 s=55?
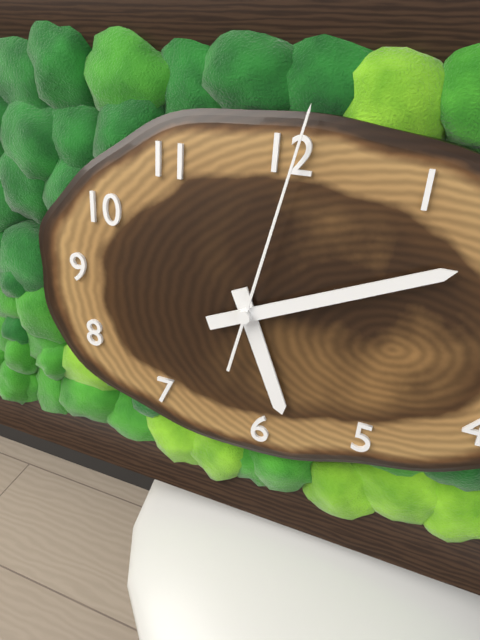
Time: h=5 m=11 s=2
